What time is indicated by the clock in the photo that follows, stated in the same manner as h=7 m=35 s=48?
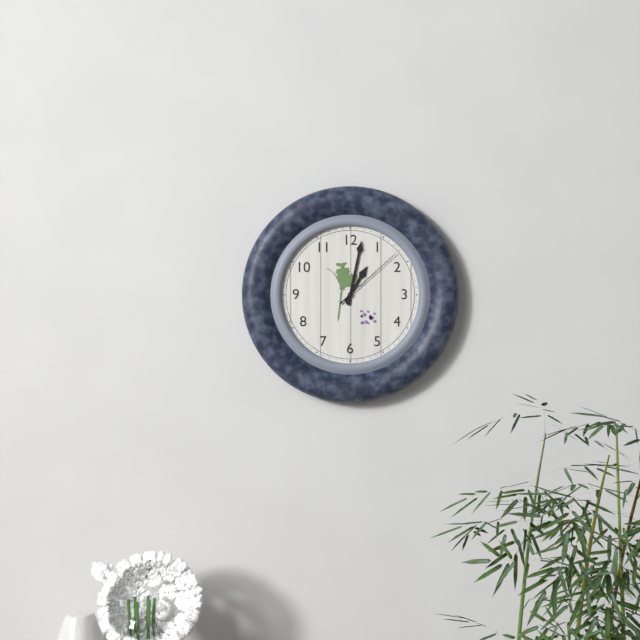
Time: h=1 m=2 s=8
